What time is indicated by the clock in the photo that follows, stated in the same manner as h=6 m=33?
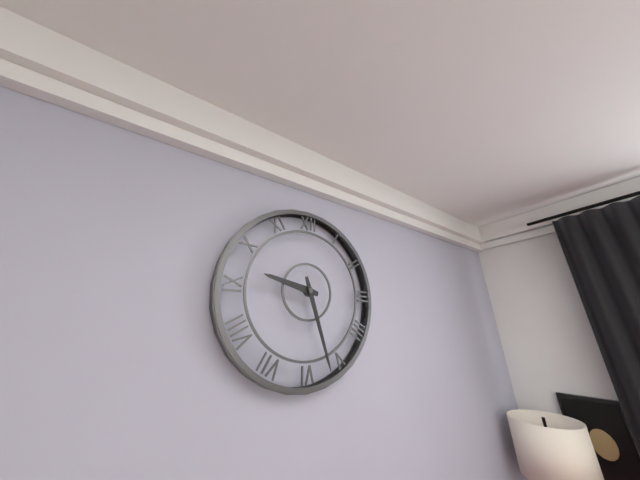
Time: h=9 m=27
